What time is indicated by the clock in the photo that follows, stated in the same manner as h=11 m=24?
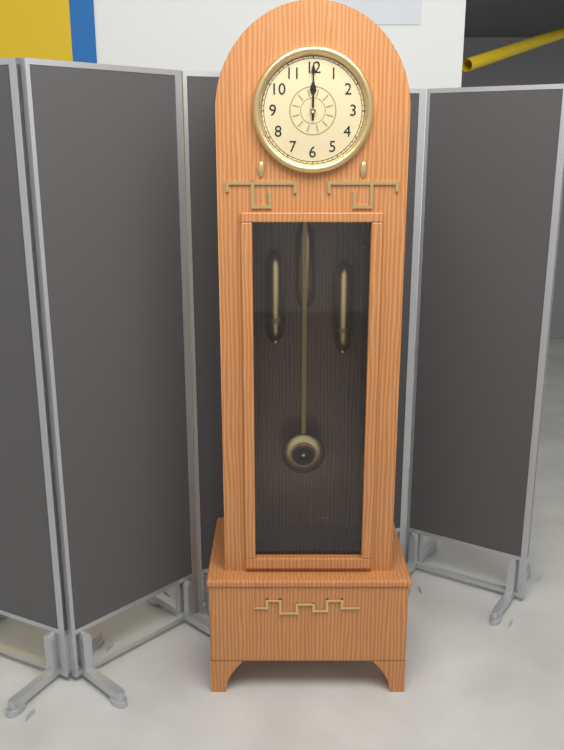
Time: h=12 m=0
